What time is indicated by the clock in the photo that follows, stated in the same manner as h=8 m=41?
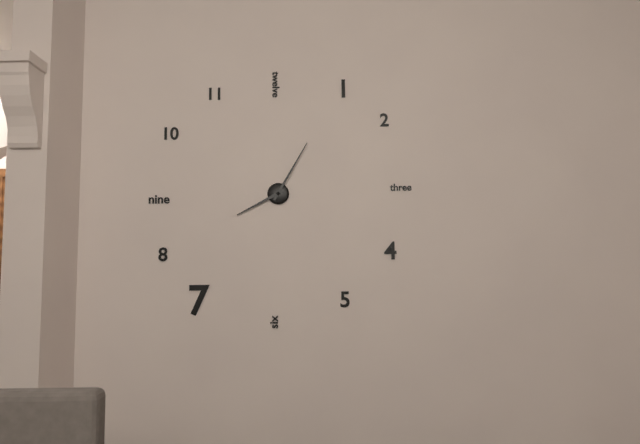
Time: h=8 m=5
